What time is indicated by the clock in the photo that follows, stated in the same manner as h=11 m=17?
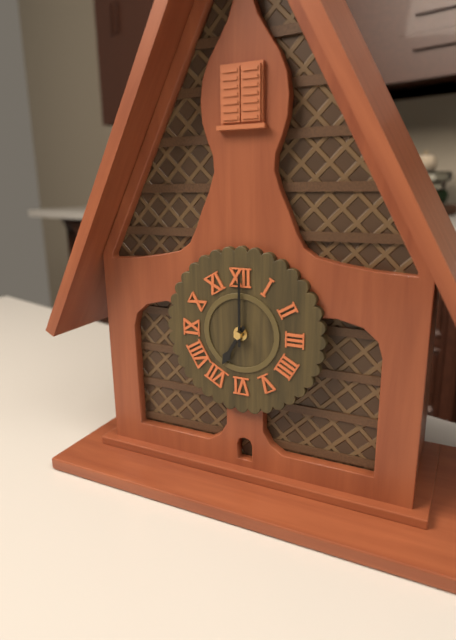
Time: h=7 m=0
